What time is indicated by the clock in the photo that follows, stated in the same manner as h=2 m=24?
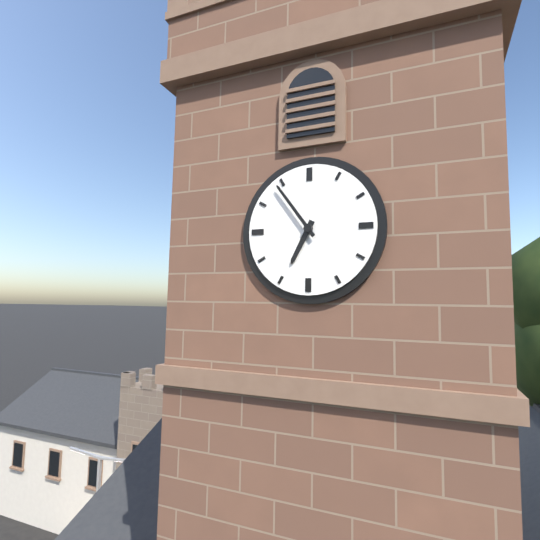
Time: h=6 m=54
